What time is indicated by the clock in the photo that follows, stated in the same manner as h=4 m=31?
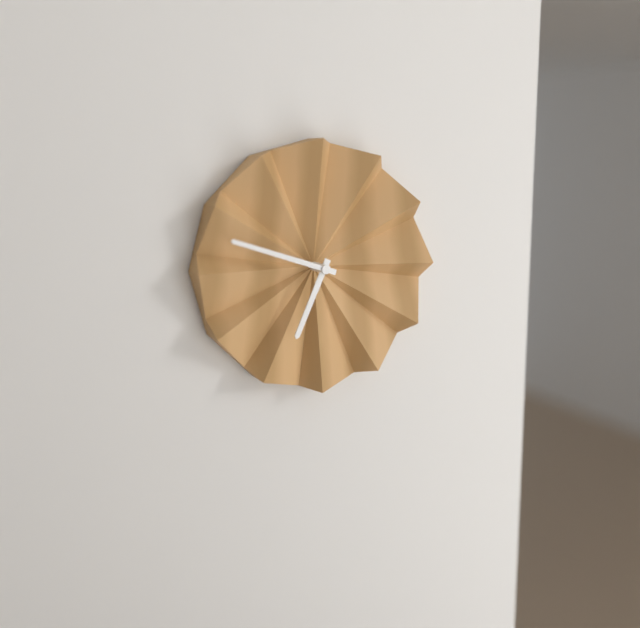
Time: h=6 m=48
